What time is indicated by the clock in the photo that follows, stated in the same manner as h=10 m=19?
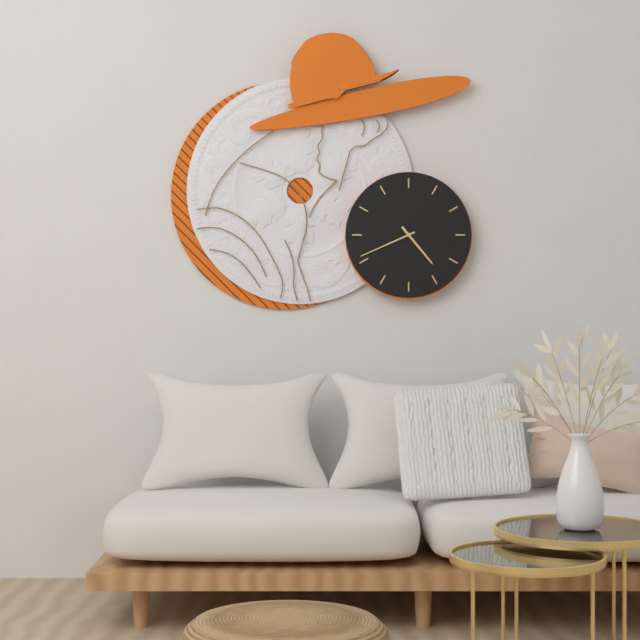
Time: h=4 m=41
